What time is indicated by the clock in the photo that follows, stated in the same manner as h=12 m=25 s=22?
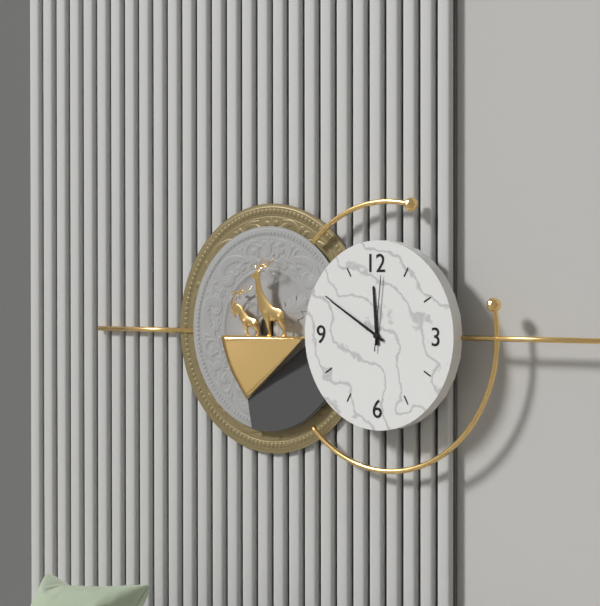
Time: h=11 m=50 s=1
